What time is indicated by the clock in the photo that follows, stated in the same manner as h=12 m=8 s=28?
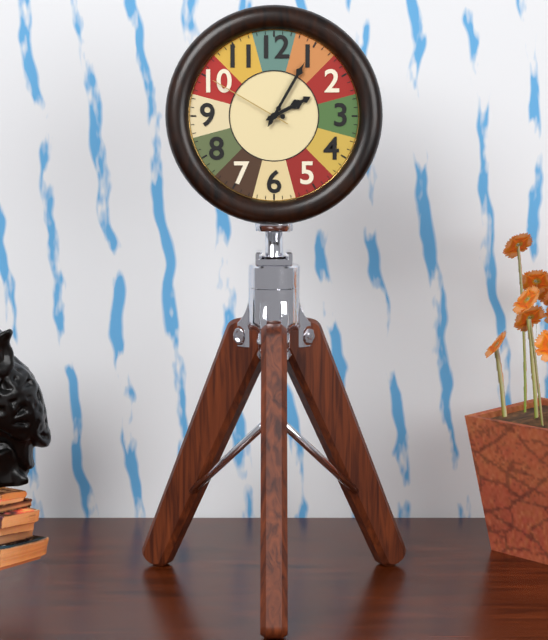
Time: h=2 m=5 s=50
